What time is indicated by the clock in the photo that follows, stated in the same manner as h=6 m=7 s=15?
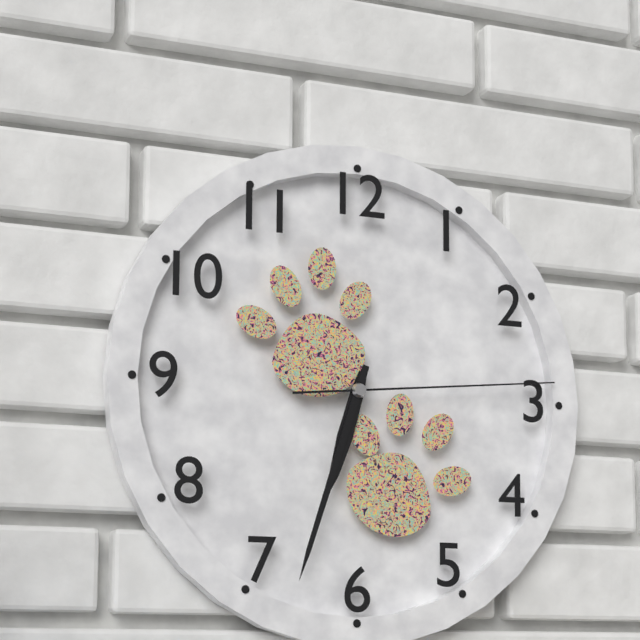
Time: h=6 m=33 s=14
